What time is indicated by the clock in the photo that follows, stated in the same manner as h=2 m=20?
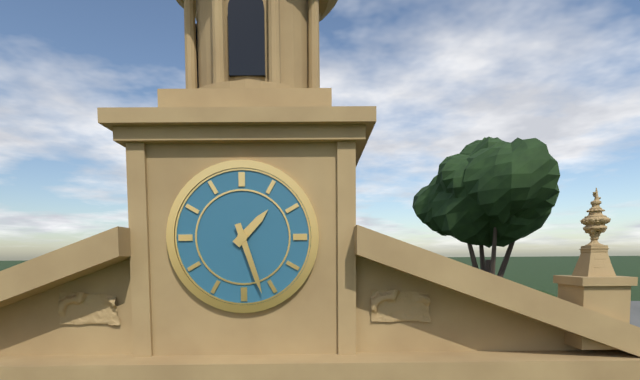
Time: h=1 m=27
